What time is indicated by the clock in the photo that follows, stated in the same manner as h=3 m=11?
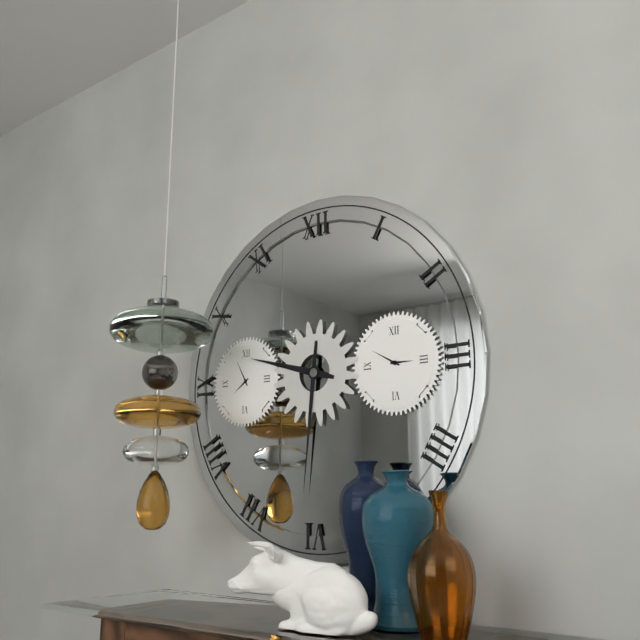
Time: h=9 m=31
